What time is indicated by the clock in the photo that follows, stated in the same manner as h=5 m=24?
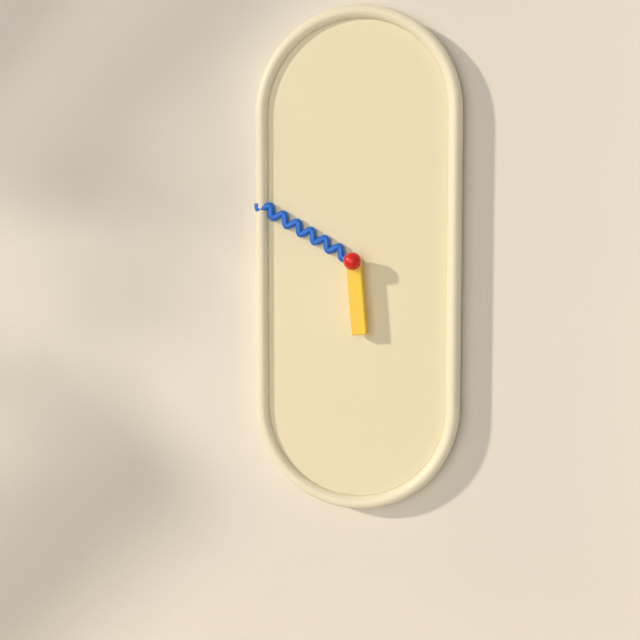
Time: h=5 m=50
